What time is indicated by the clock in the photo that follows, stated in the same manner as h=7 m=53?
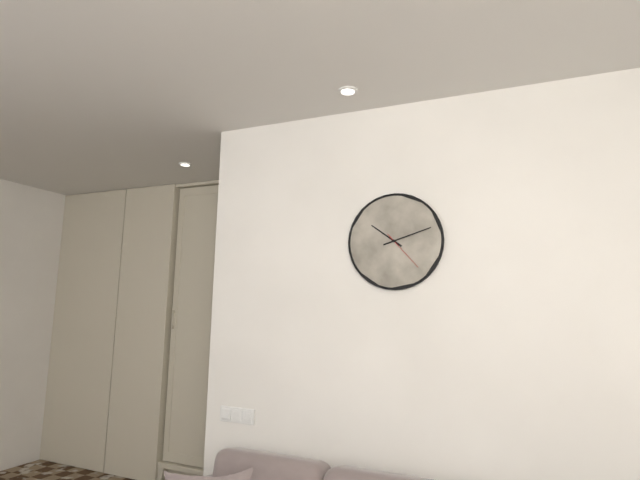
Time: h=10 m=12
